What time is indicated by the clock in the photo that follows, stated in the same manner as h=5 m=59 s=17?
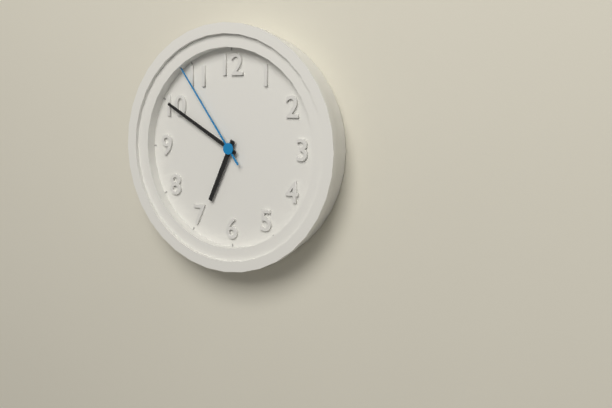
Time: h=6 m=50 s=54
